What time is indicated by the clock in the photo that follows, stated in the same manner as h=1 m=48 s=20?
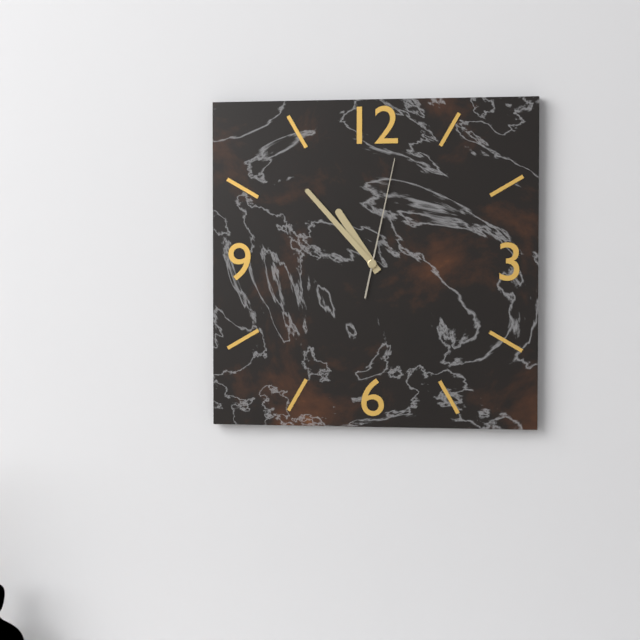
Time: h=10 m=53 s=2
